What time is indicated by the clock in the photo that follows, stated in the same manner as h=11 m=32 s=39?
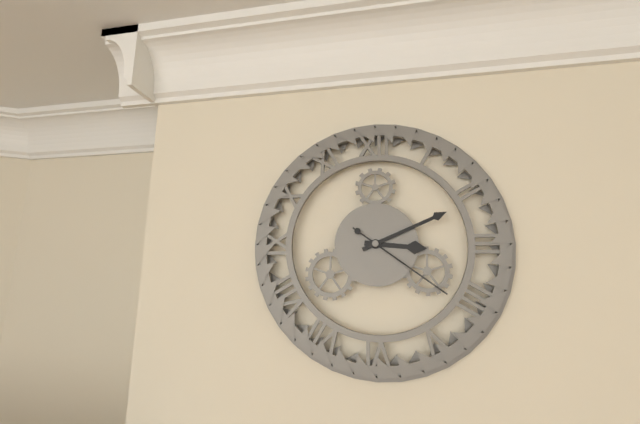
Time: h=3 m=11 s=21
